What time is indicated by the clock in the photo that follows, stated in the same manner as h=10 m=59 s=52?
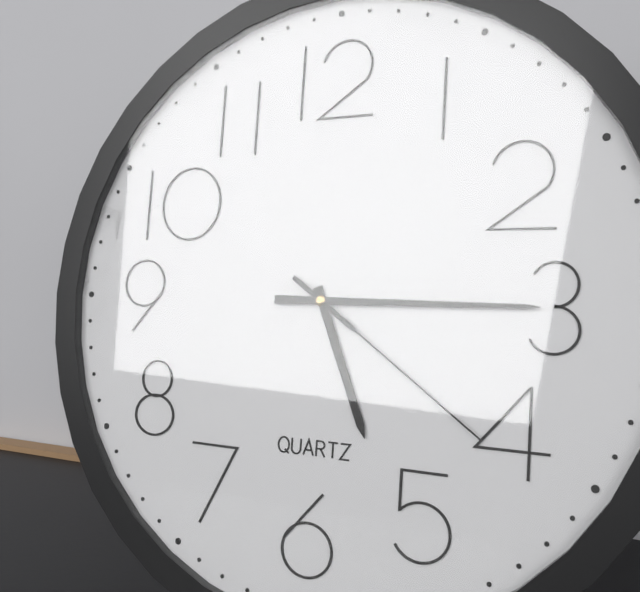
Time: h=5 m=15 s=21
